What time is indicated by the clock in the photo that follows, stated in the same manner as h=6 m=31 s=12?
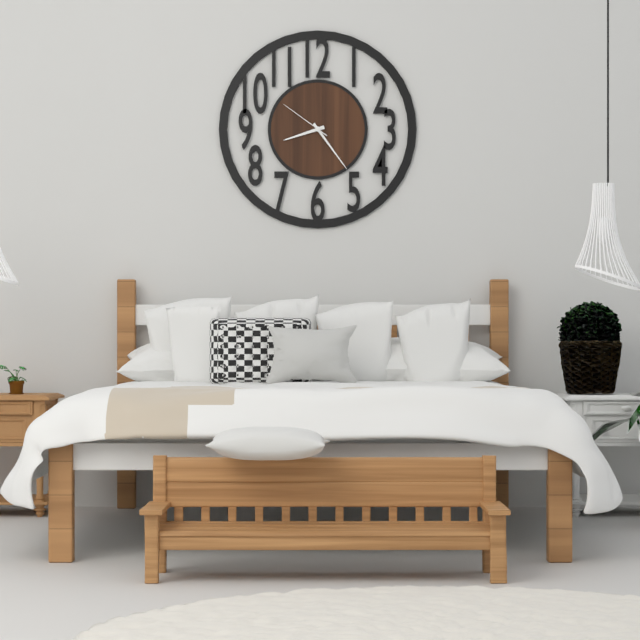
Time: h=8 m=24 s=51
